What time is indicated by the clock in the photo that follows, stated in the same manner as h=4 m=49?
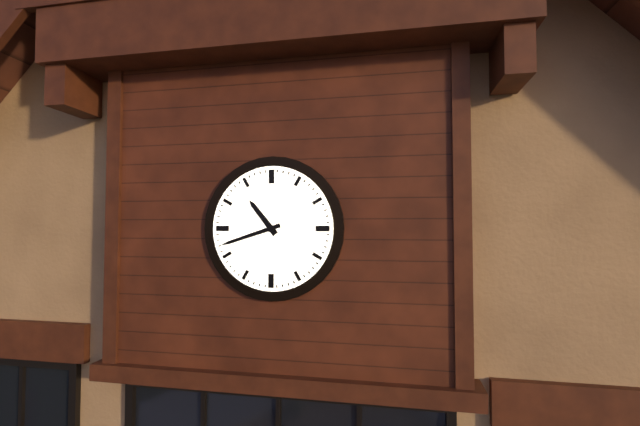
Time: h=10 m=42
